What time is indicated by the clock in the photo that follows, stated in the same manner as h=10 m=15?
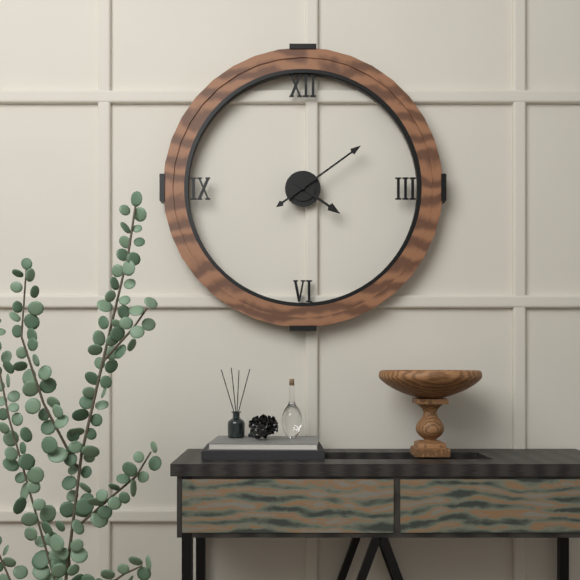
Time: h=4 m=9
